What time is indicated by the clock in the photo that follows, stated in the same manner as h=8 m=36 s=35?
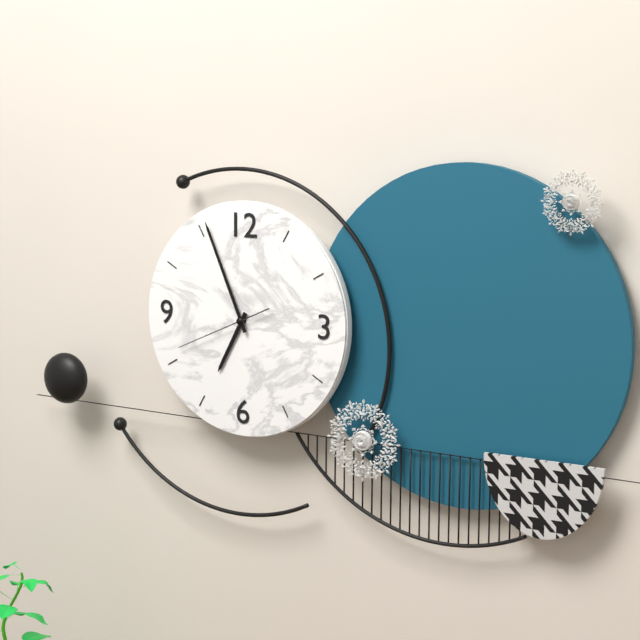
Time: h=6 m=56 s=41
